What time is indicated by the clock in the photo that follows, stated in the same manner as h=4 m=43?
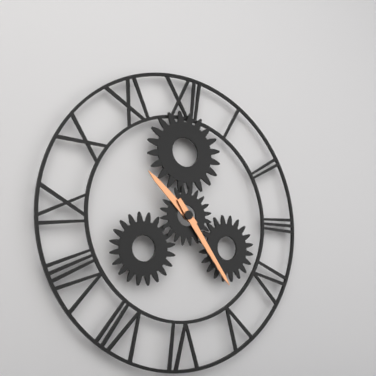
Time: h=10 m=24
